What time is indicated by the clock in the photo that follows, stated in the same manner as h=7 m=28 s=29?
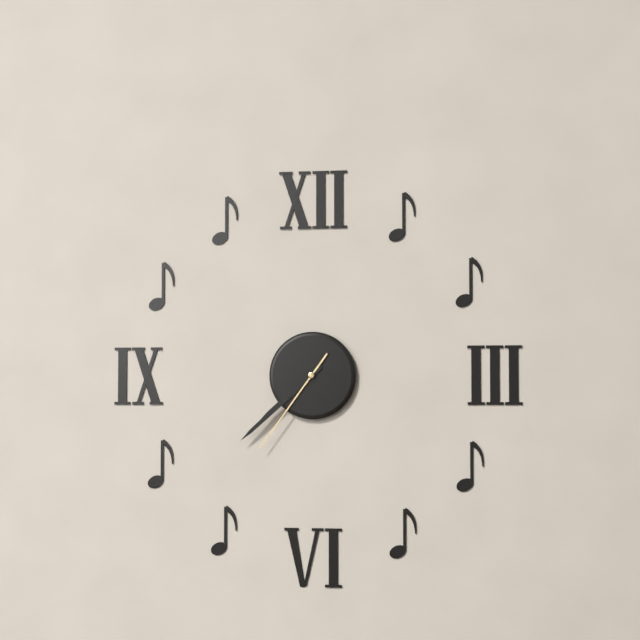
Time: h=7 m=38 s=36
